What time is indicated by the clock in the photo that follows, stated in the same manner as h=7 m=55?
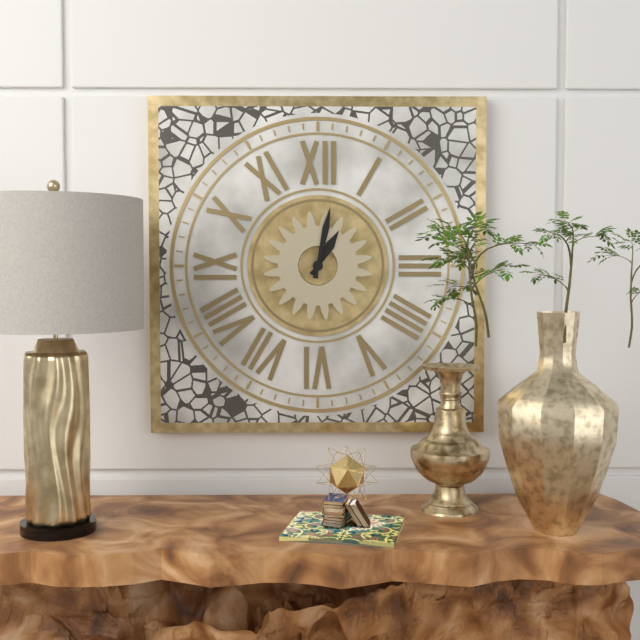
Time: h=1 m=2
